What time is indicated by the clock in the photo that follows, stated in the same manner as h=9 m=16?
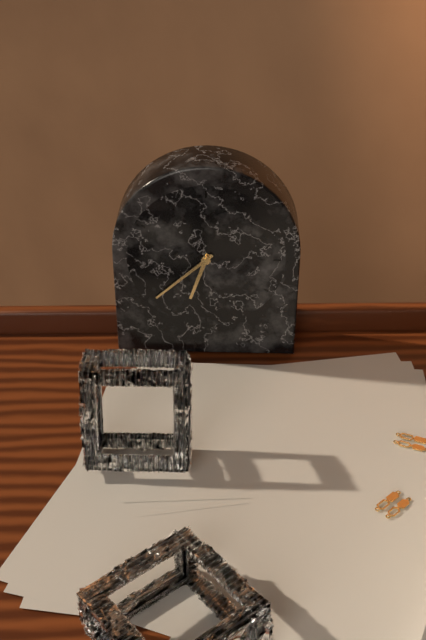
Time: h=6 m=38
